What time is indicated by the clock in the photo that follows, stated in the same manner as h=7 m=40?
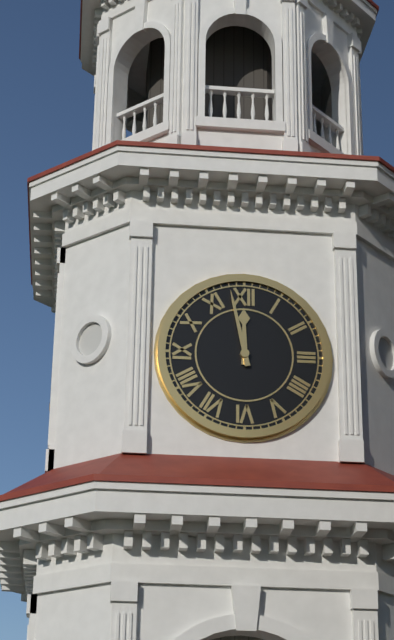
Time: h=11 m=58
